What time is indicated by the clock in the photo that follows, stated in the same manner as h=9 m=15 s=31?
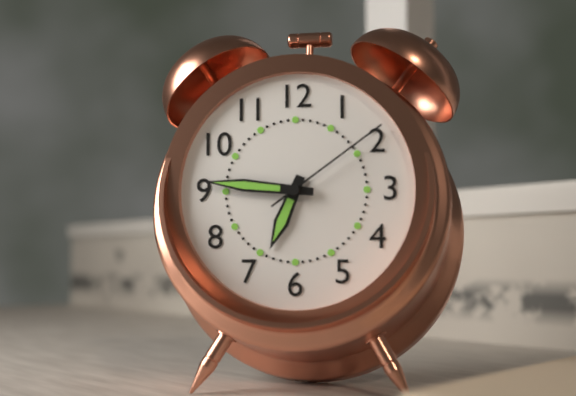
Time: h=6 m=46 s=9
